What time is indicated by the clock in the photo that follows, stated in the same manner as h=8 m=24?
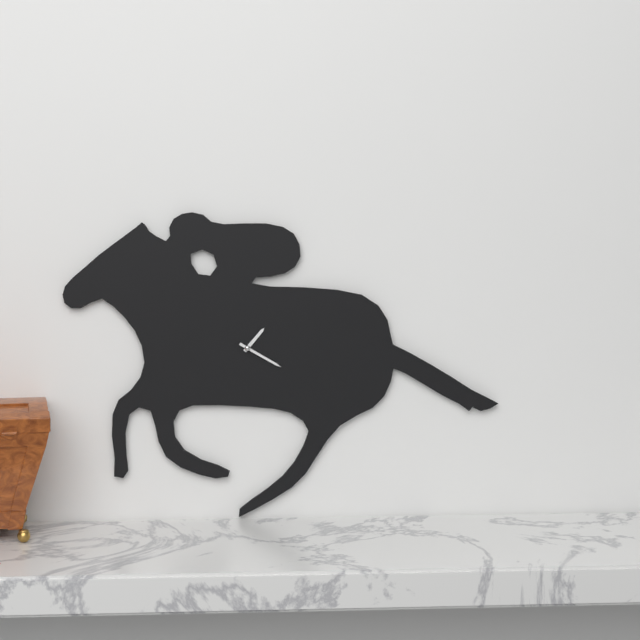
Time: h=1 m=20
